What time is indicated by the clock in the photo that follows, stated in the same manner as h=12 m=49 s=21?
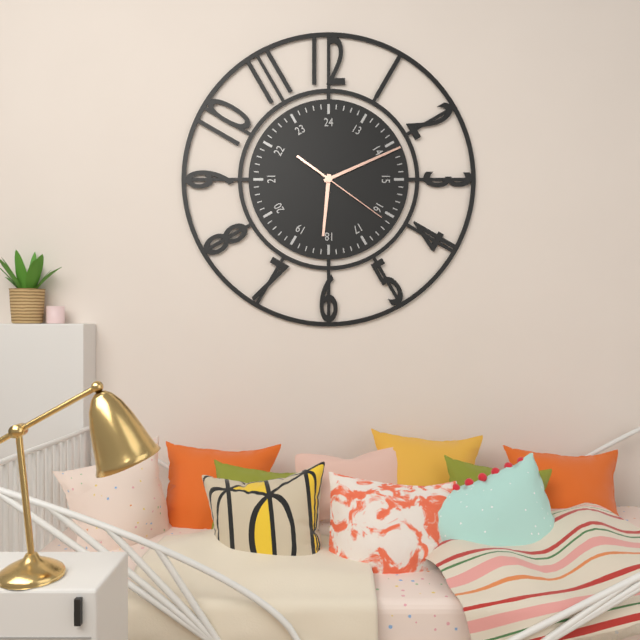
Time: h=6 m=11 s=21
